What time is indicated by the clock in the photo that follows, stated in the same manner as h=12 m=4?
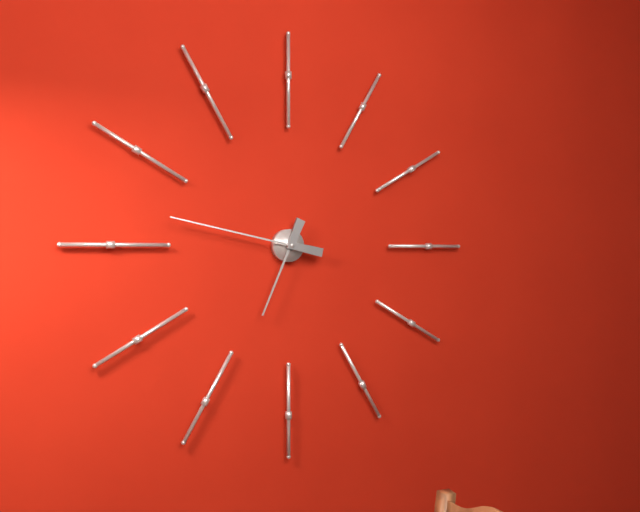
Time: h=6 m=47
